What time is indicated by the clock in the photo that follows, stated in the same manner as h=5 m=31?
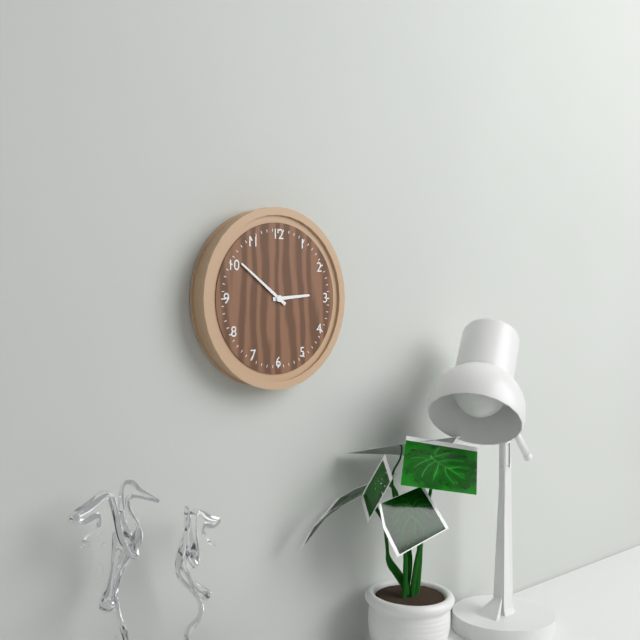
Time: h=2 m=51
